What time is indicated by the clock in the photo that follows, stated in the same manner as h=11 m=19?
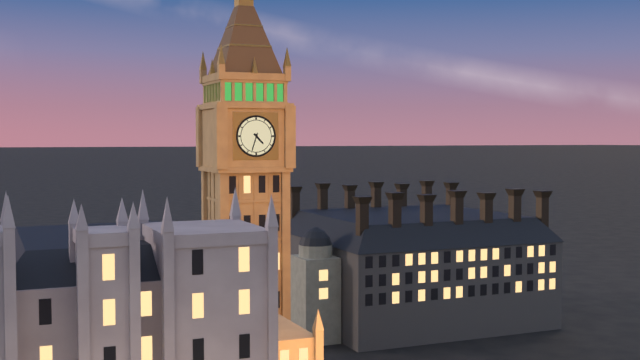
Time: h=4 m=33
